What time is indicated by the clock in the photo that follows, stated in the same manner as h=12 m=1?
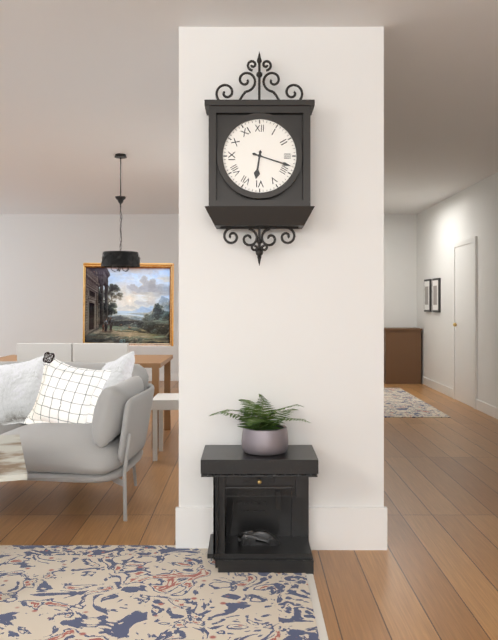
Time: h=6 m=18
